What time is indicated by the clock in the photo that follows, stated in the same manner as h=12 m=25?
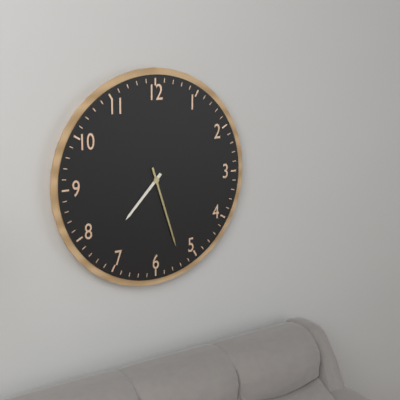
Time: h=7 m=27
